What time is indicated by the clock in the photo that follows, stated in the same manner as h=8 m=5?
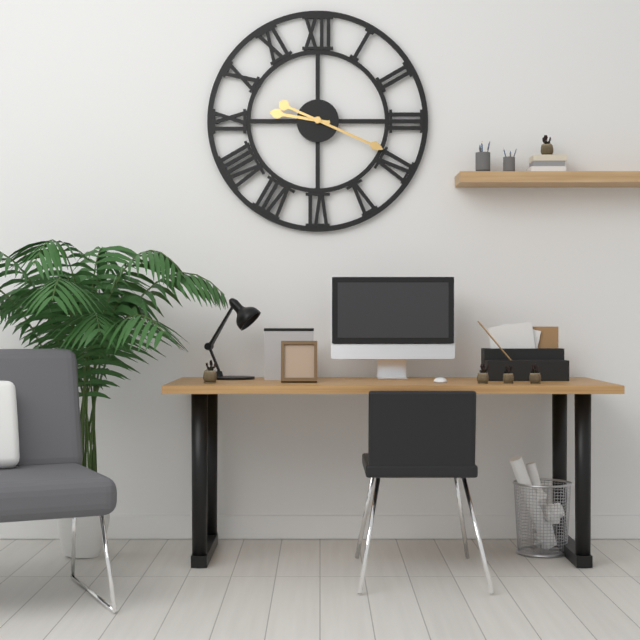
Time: h=9 m=19
